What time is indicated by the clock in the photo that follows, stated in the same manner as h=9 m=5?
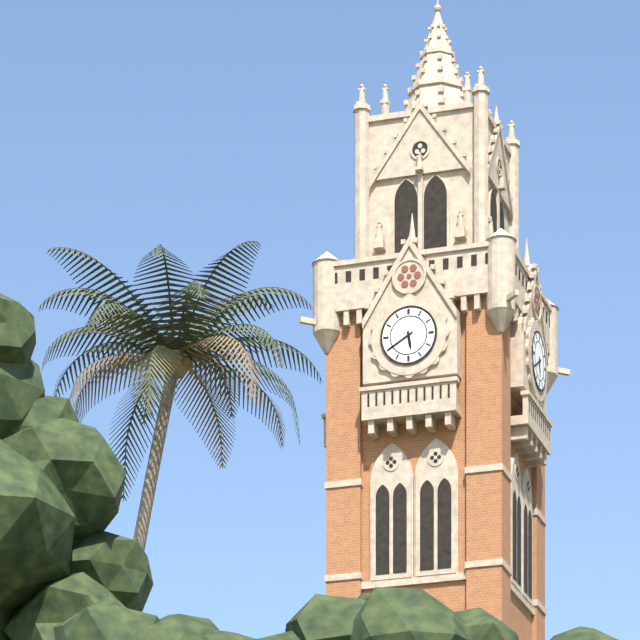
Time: h=5 m=40
